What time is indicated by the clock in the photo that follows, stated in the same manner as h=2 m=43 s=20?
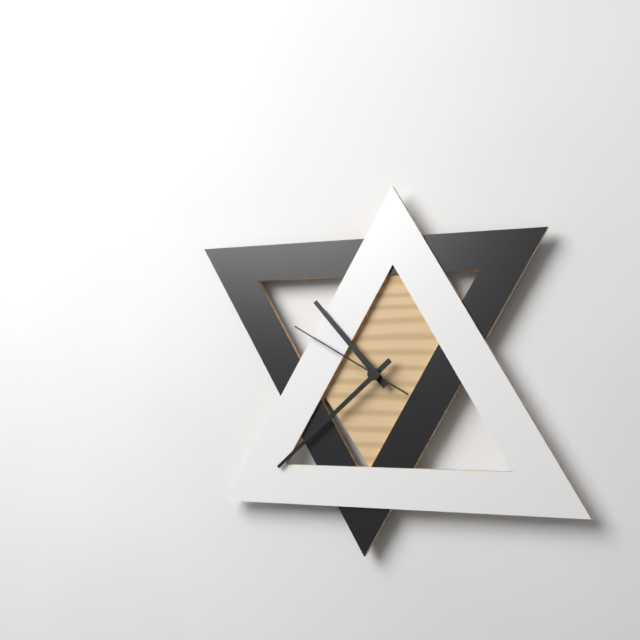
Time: h=10 m=38 s=50
